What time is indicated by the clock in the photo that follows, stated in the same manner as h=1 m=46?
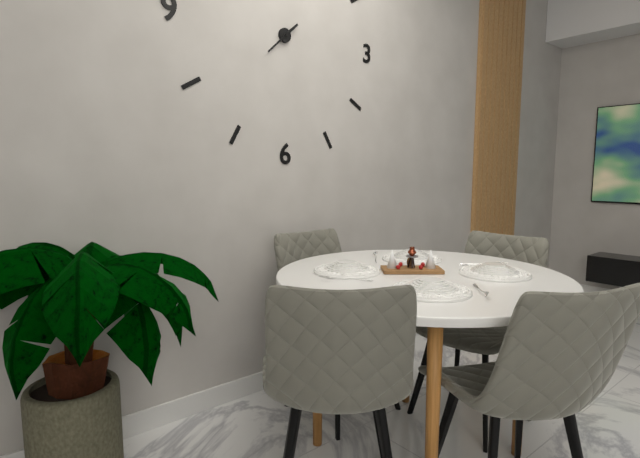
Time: h=1 m=38
